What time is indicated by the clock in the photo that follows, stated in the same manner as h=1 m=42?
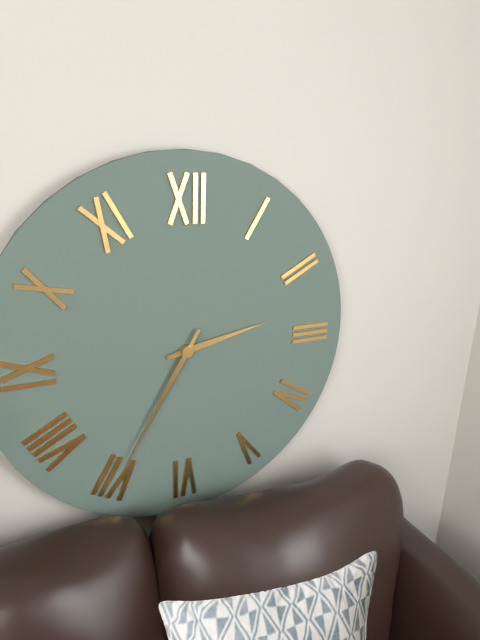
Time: h=2 m=35
